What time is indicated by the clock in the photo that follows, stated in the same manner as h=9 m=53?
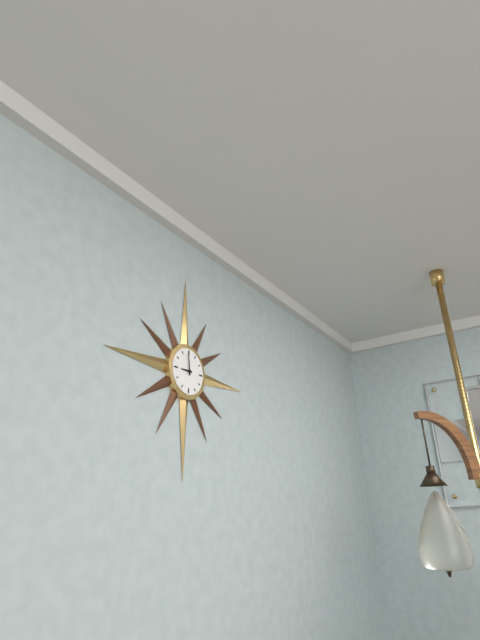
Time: h=8 m=59
